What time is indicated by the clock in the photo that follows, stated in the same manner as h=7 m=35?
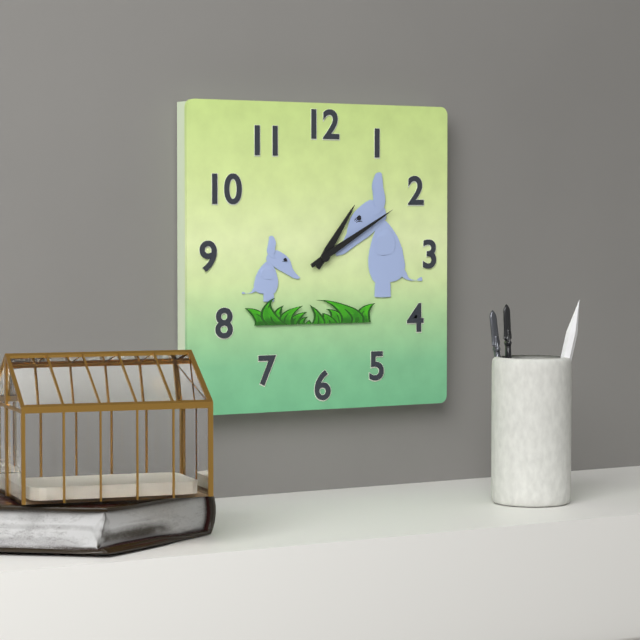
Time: h=1 m=10
